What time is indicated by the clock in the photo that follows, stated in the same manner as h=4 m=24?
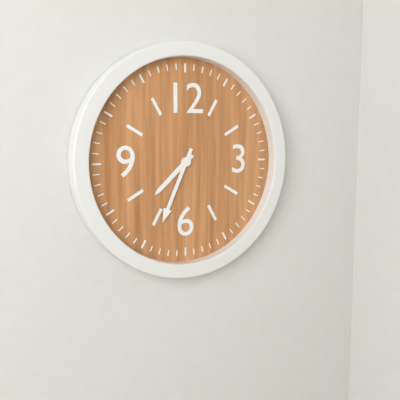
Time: h=7 m=34
